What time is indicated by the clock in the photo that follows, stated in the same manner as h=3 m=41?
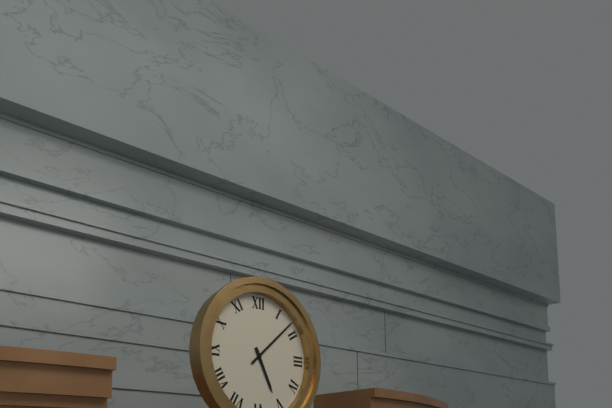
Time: h=5 m=8
